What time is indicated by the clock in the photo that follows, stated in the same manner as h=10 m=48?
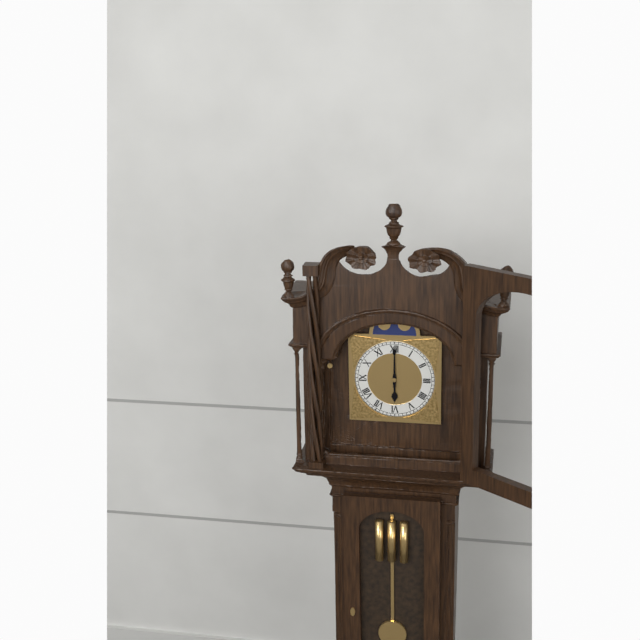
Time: h=6 m=0
